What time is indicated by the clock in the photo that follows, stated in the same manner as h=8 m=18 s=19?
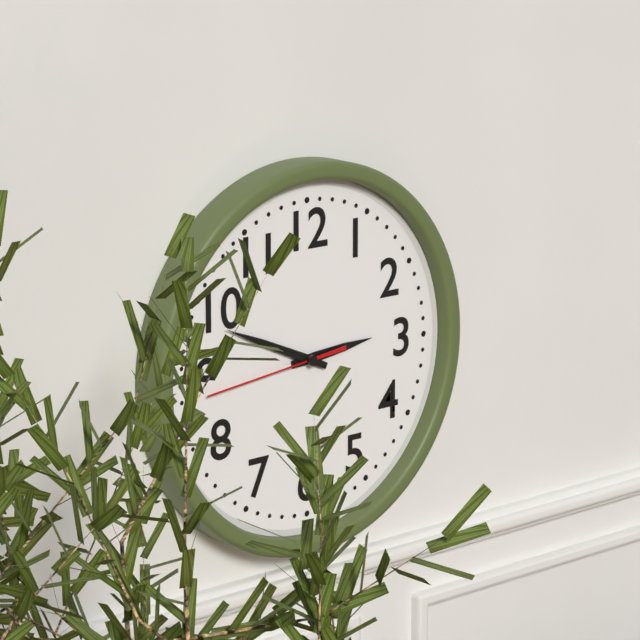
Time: h=2 m=49 s=44
